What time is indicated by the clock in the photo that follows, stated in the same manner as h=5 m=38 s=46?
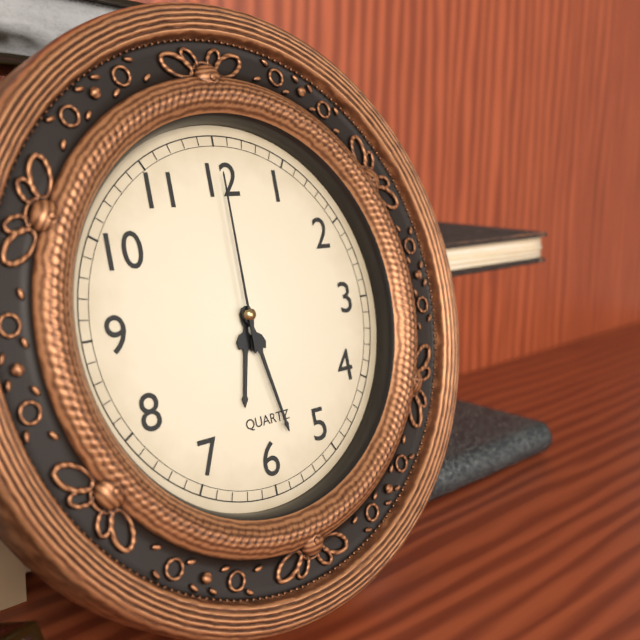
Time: h=6 m=28 s=0
